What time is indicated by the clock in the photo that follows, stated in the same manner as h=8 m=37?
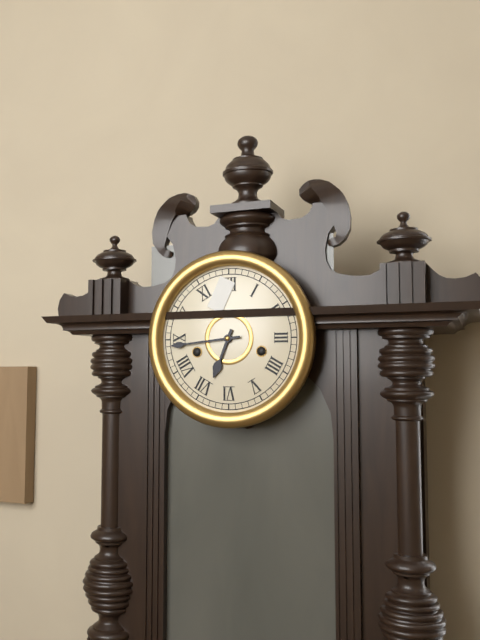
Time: h=6 m=44
